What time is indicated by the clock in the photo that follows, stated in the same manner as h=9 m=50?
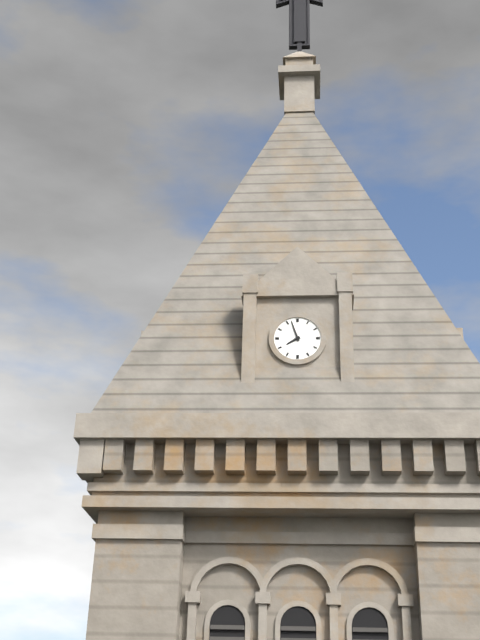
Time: h=7 m=57
